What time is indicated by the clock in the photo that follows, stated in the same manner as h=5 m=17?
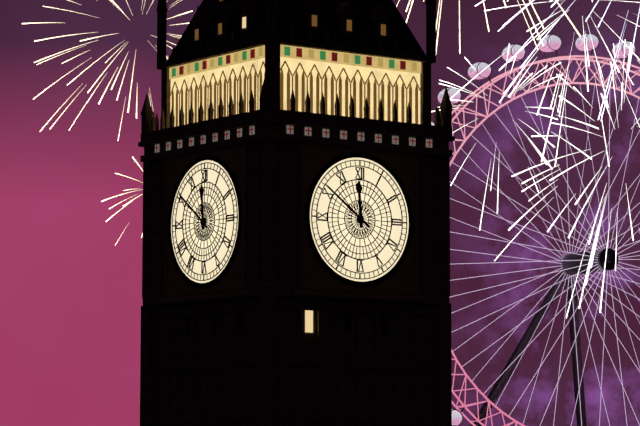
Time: h=11 m=51
